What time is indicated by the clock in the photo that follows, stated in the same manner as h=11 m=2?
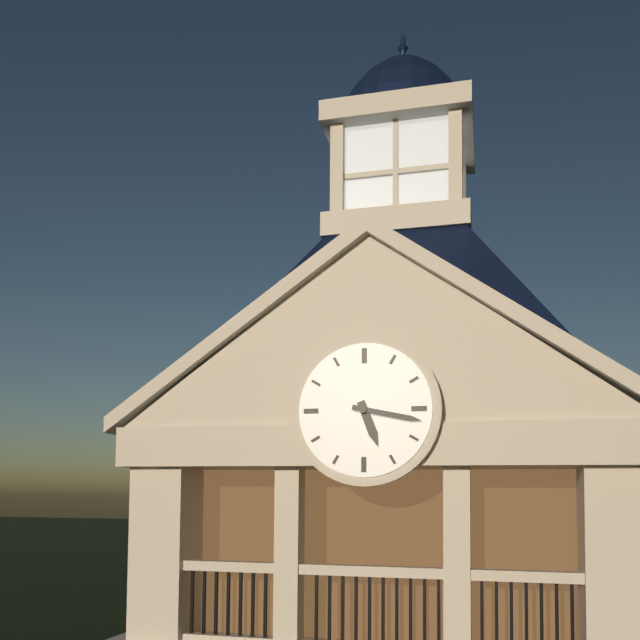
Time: h=5 m=17
